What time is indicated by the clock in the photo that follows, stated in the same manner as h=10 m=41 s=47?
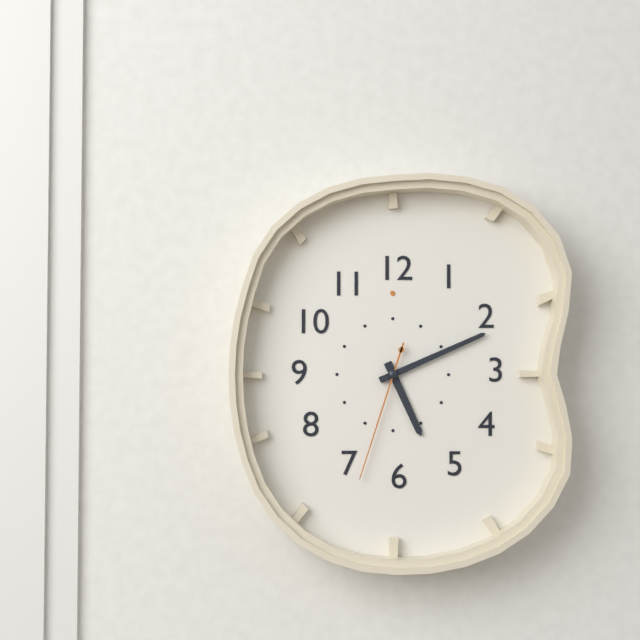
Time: h=5 m=11 s=33
